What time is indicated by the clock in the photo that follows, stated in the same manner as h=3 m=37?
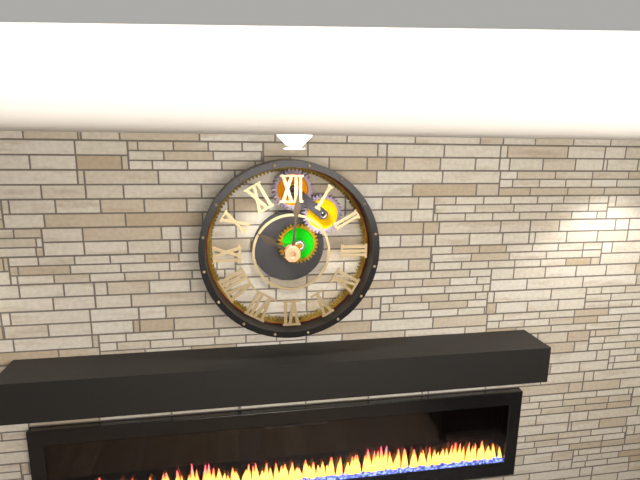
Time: h=10 m=1
